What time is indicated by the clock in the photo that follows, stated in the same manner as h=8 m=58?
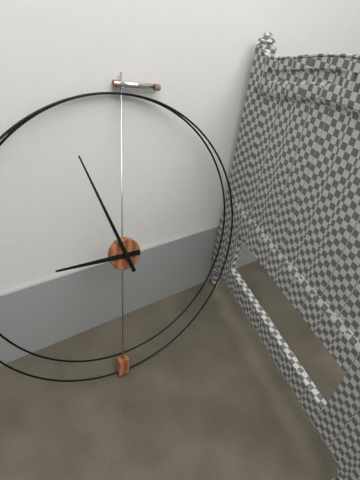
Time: h=8 m=56
